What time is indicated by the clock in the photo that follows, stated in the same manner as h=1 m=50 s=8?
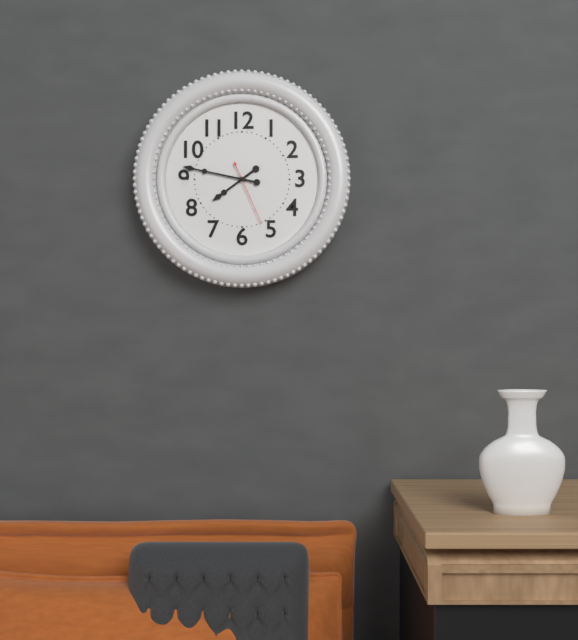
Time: h=7 m=47 s=26
